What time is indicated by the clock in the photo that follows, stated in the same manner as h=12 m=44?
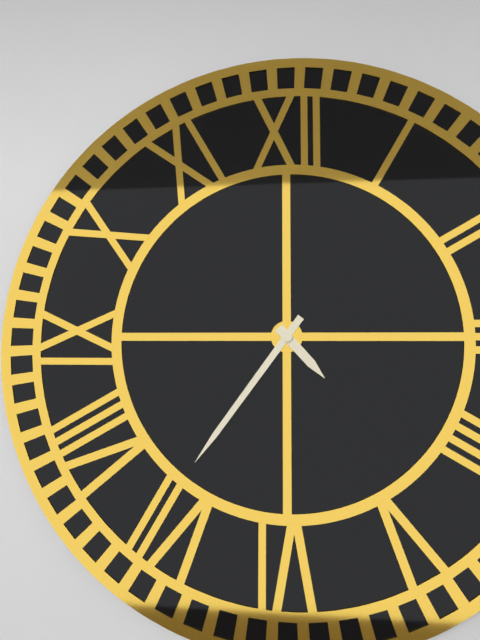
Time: h=4 m=36
